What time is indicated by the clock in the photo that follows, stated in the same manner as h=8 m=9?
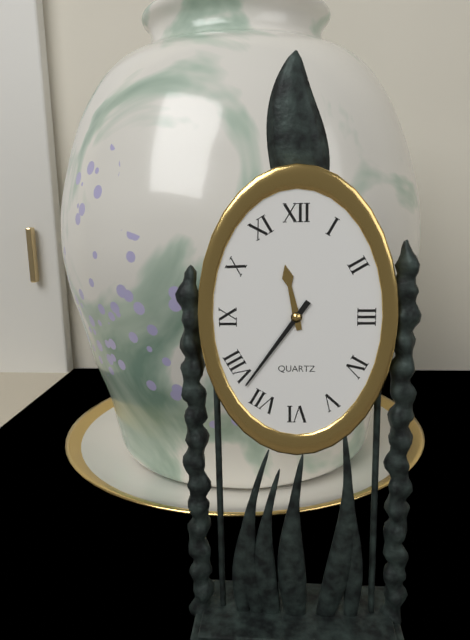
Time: h=11 m=36
